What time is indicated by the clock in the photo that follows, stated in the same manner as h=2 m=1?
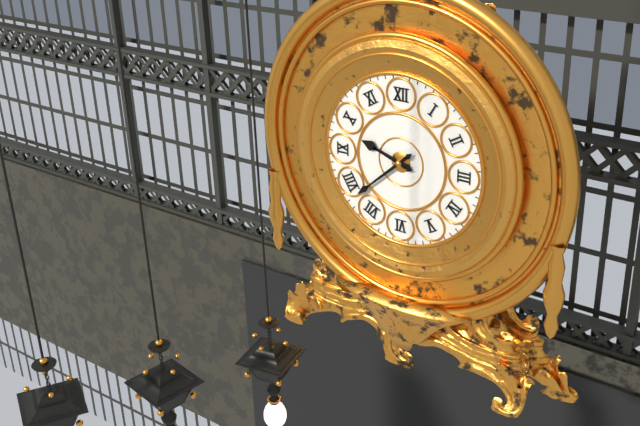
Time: h=9 m=38
